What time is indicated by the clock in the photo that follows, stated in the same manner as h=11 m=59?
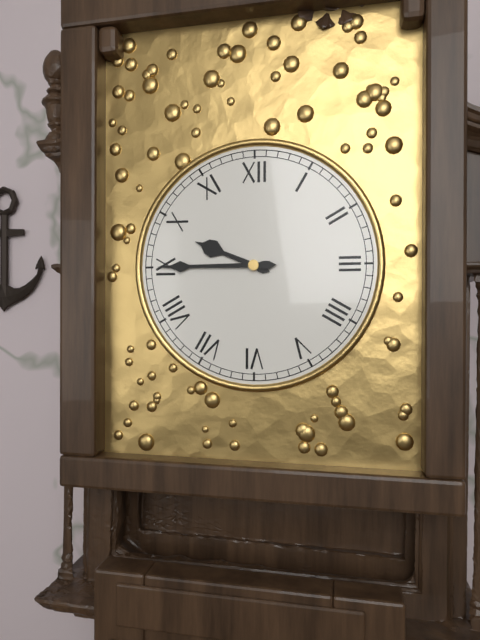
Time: h=9 m=45
